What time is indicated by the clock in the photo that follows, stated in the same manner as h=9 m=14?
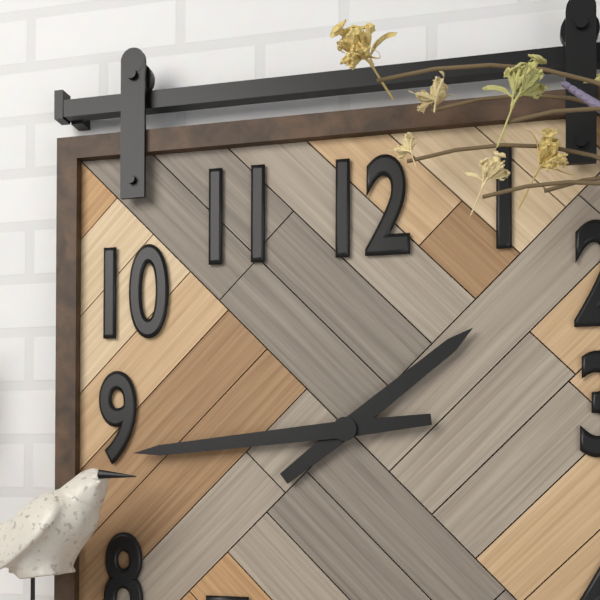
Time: h=1 m=44
